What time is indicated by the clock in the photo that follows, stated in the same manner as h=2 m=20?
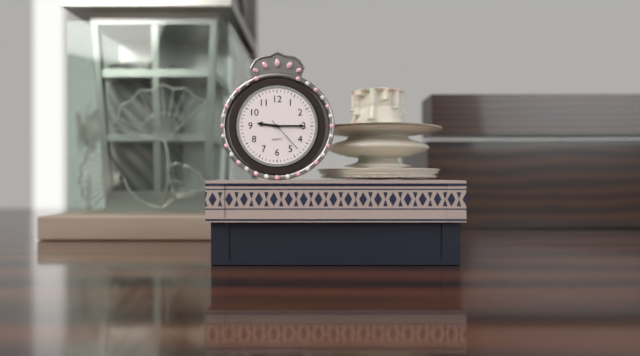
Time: h=9 m=15
